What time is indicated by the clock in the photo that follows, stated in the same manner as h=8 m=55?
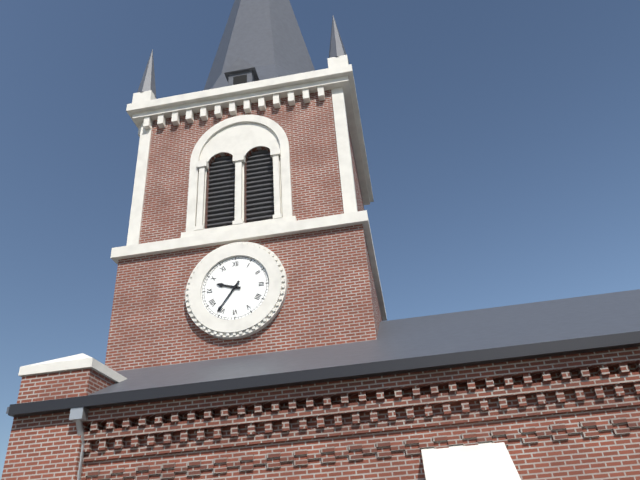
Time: h=9 m=36
